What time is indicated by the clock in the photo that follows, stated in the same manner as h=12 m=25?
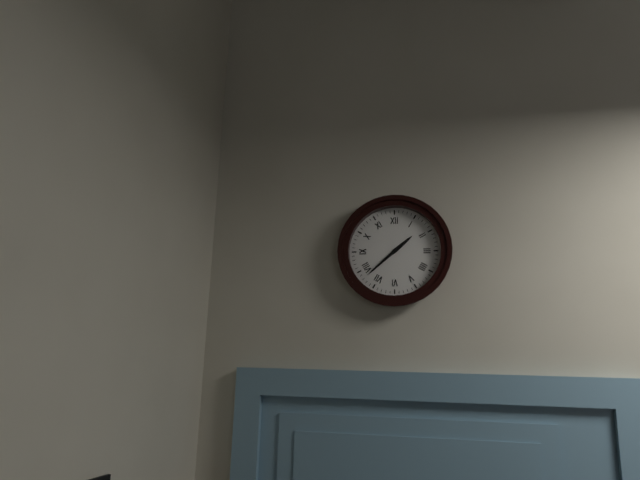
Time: h=1 m=38
